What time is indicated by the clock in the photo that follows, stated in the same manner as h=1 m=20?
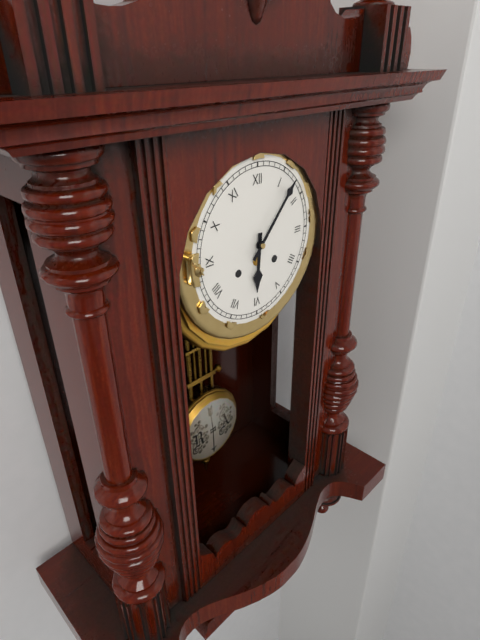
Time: h=6 m=7
